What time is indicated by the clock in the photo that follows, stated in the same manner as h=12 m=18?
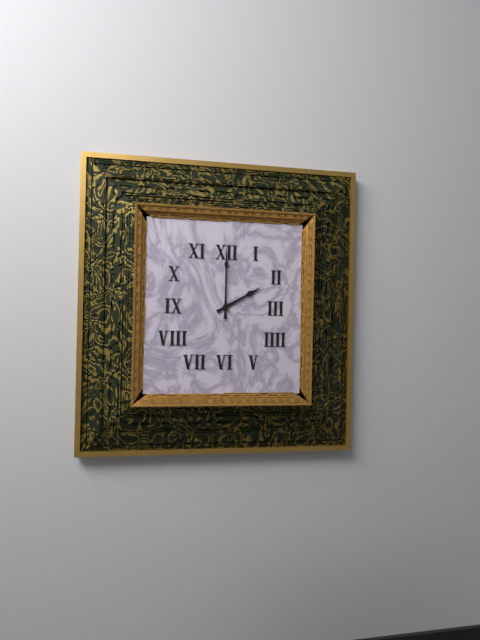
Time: h=2 m=0
